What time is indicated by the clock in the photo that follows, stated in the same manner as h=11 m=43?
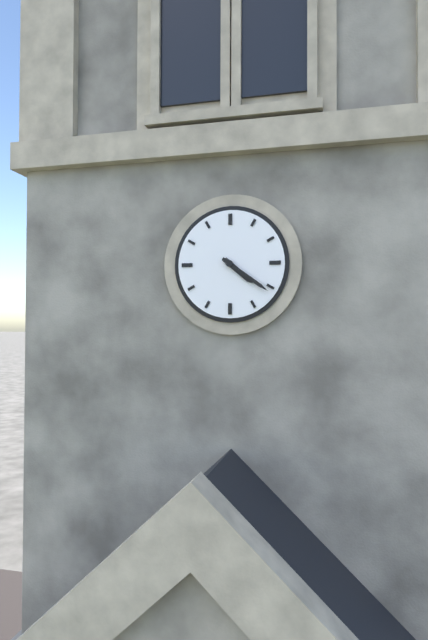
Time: h=4 m=21
